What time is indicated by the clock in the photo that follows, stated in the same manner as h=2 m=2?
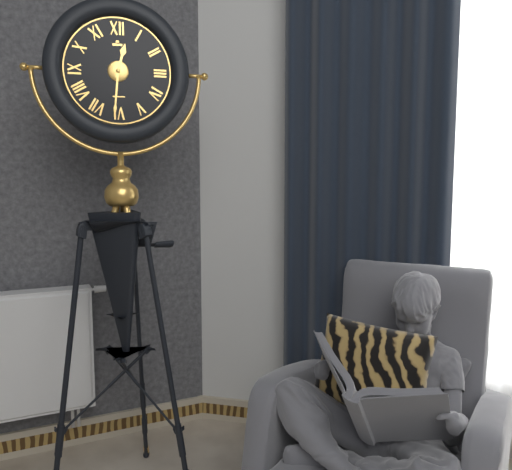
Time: h=12 m=31
